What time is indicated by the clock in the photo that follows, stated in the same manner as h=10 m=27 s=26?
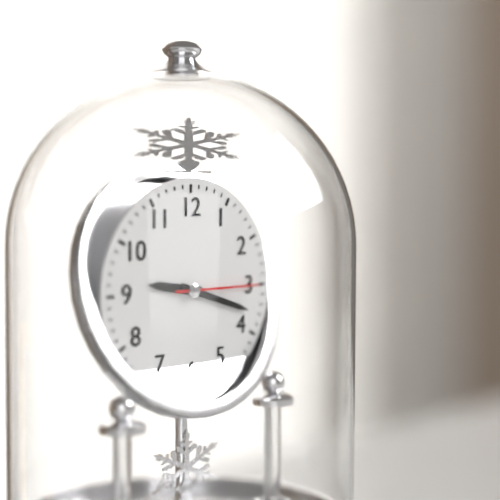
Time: h=9 m=18 s=15
